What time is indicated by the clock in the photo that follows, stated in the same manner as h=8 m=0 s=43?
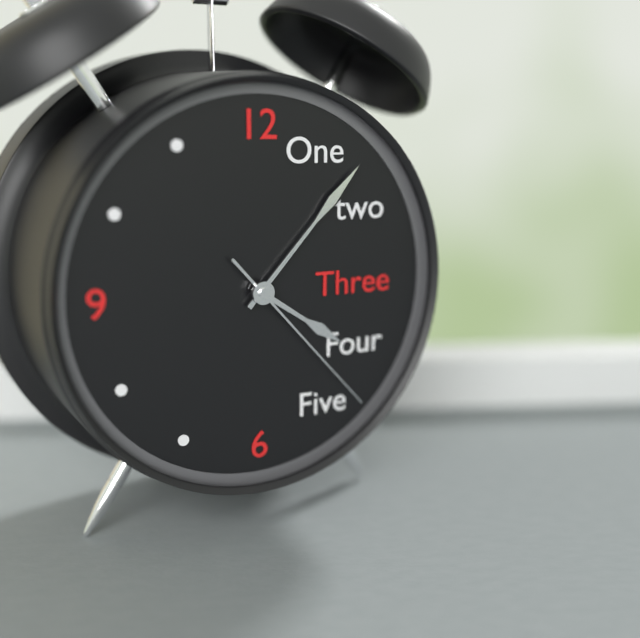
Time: h=4 m=7 s=23
